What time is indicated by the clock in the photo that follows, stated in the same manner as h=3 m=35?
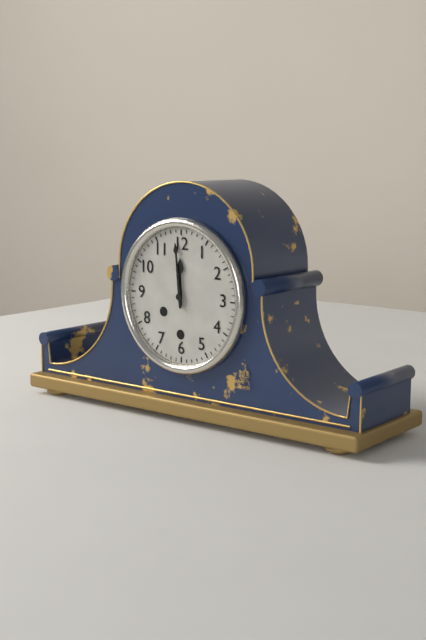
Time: h=11 m=59
